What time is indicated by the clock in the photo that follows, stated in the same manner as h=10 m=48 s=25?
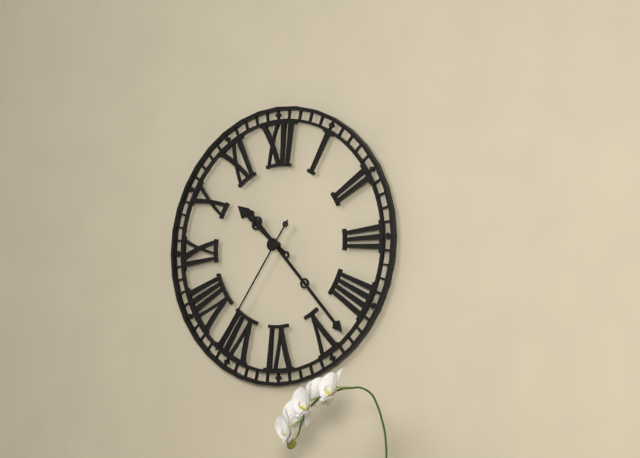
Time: h=10 m=23 s=36
